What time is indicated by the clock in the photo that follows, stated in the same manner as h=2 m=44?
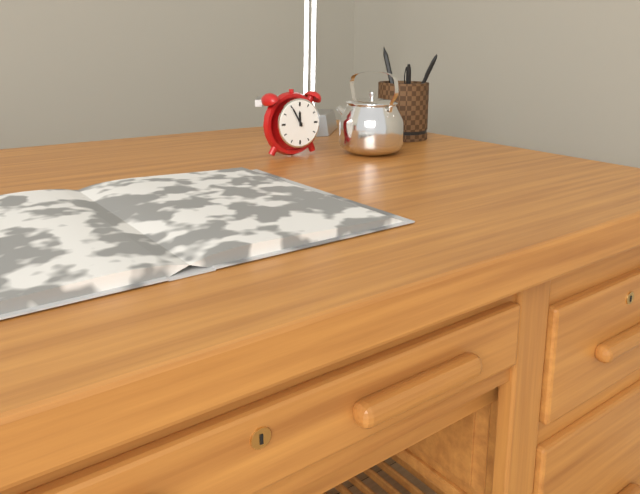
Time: h=11 m=55
